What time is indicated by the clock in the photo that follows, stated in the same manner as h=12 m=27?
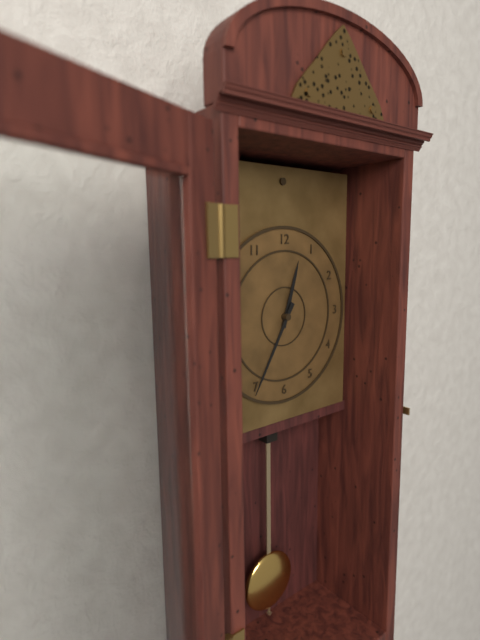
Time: h=12 m=35
